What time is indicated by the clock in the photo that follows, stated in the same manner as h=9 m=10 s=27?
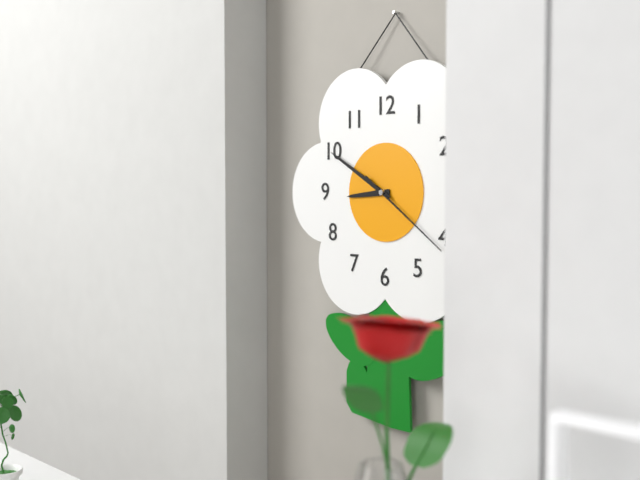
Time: h=8 m=50 s=21
